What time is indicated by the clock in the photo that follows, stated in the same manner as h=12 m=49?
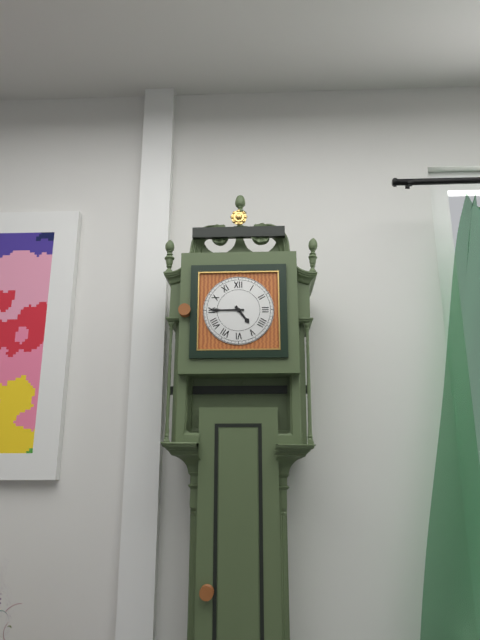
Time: h=4 m=45
